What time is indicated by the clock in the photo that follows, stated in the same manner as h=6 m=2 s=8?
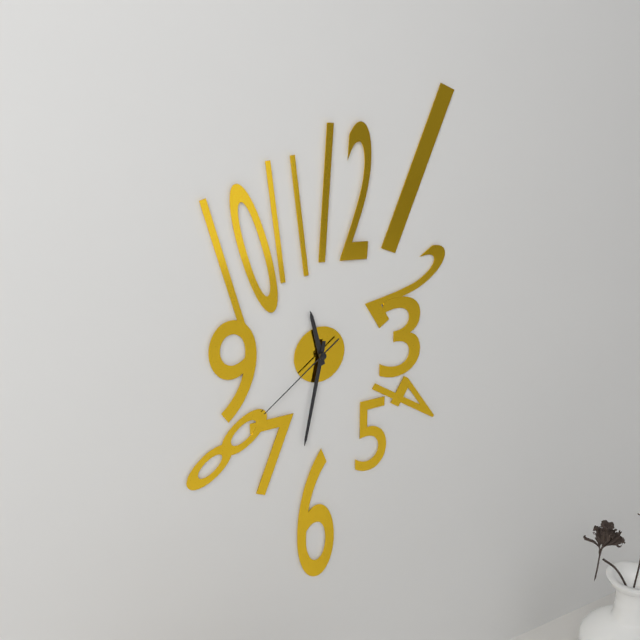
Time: h=11 m=32 s=39
